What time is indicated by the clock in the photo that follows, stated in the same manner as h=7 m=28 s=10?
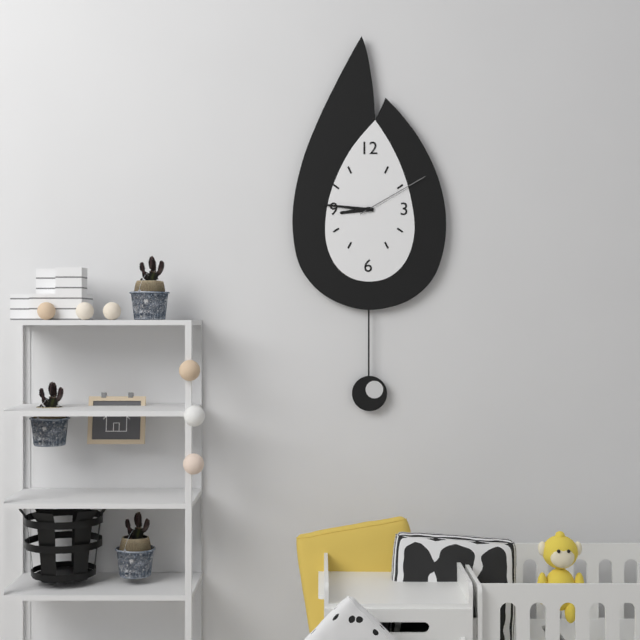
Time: h=8 m=46 s=10
